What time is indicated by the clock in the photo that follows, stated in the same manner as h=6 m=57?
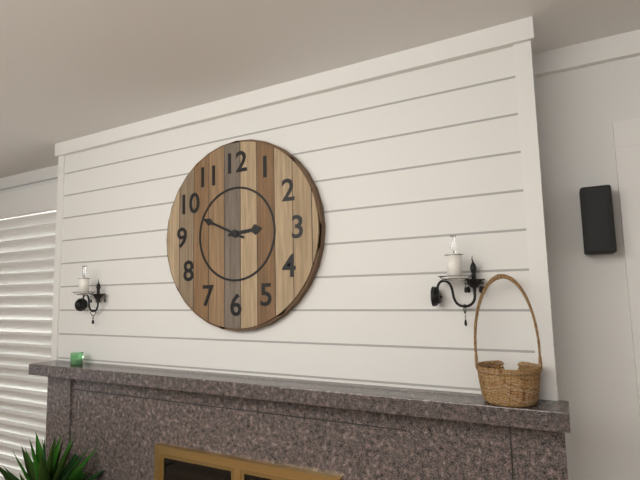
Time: h=2 m=49
